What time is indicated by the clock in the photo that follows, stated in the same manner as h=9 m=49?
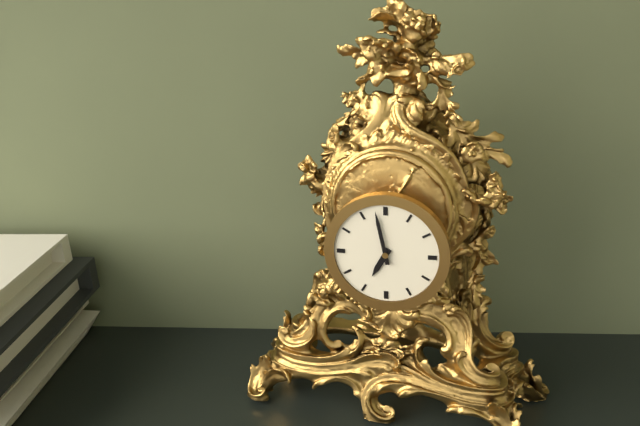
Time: h=6 m=58
